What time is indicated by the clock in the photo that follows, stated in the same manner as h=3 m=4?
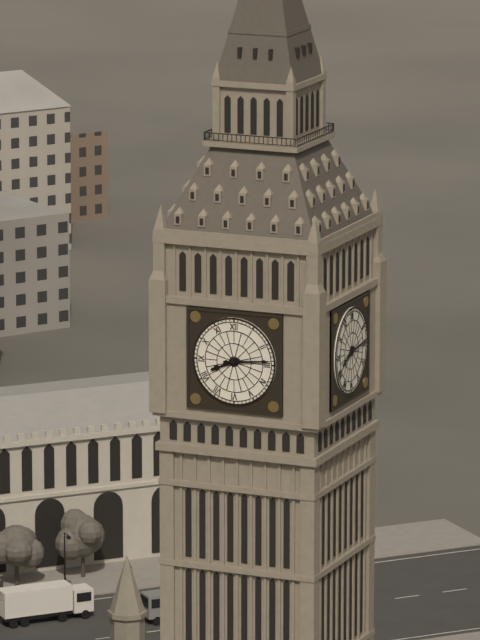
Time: h=8 m=14
